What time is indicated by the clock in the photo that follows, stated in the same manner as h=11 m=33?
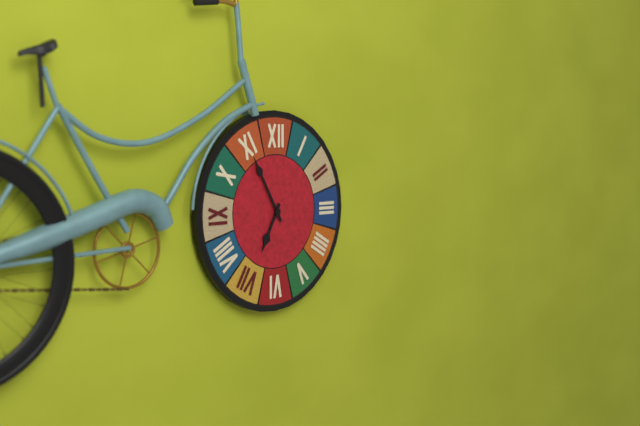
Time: h=6 m=55
